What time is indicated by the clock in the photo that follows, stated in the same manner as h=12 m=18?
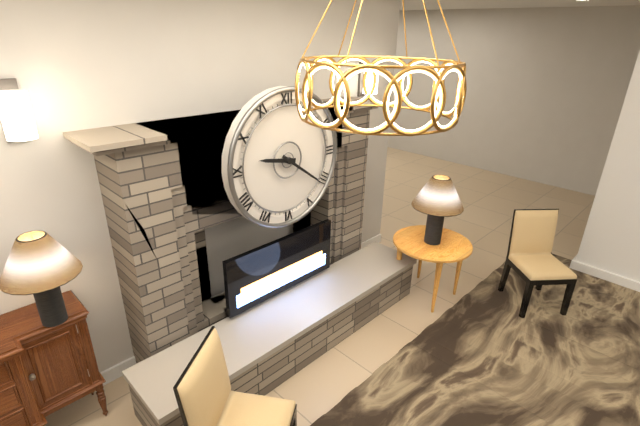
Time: h=9 m=21
